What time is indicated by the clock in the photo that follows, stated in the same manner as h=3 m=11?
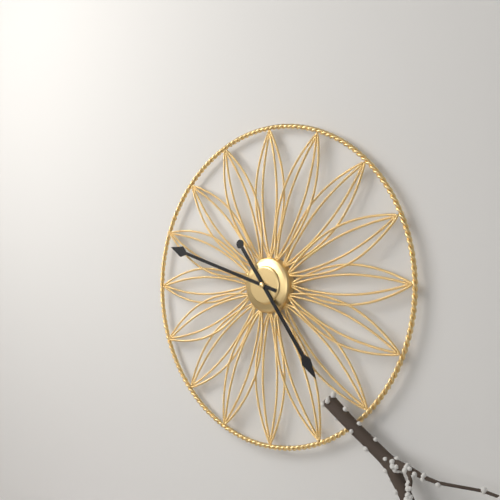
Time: h=4 m=48
